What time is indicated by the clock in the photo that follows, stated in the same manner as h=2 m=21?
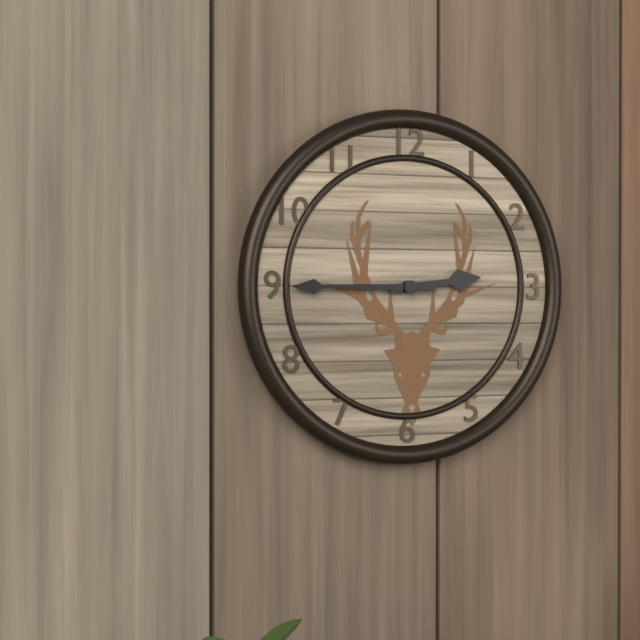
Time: h=2 m=45
